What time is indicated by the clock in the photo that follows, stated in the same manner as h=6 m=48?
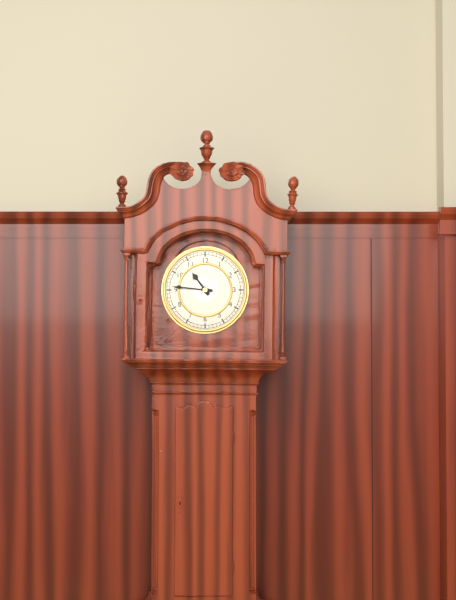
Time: h=10 m=46
